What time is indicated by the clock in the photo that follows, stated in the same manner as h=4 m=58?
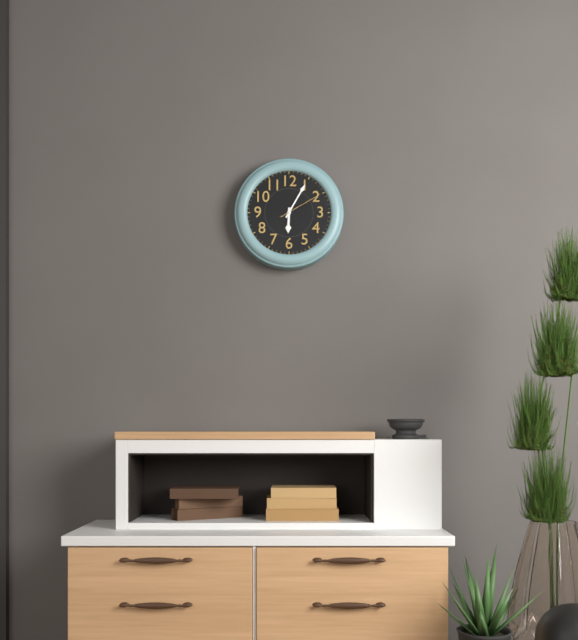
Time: h=6 m=5
